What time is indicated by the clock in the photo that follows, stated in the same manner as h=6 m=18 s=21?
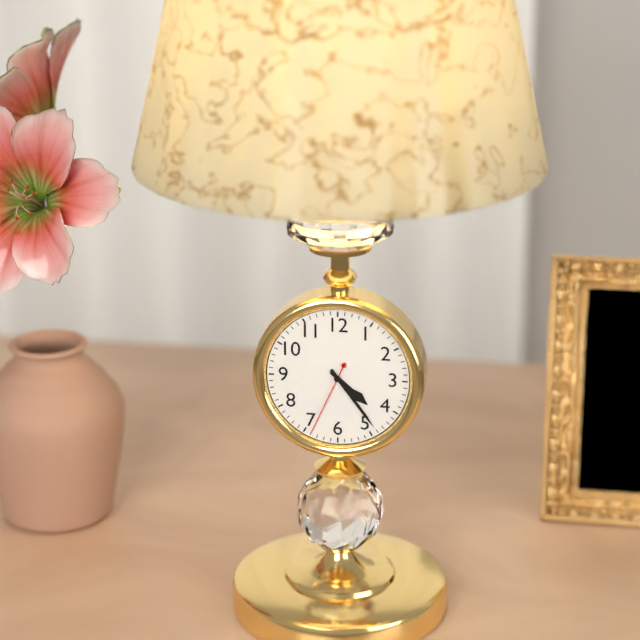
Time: h=4 m=24 s=34
